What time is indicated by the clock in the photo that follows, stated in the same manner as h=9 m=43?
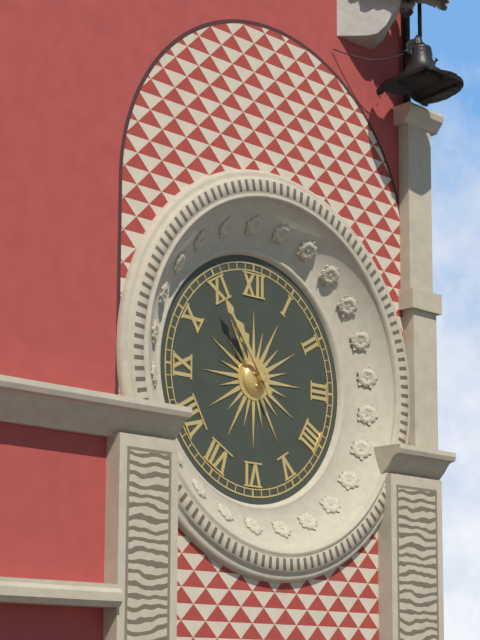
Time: h=10 m=54
